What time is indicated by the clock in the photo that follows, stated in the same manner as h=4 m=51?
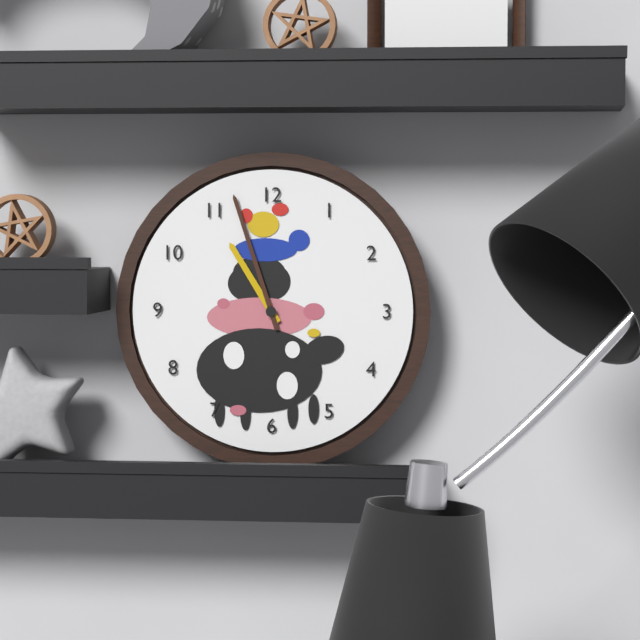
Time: h=10 m=57
